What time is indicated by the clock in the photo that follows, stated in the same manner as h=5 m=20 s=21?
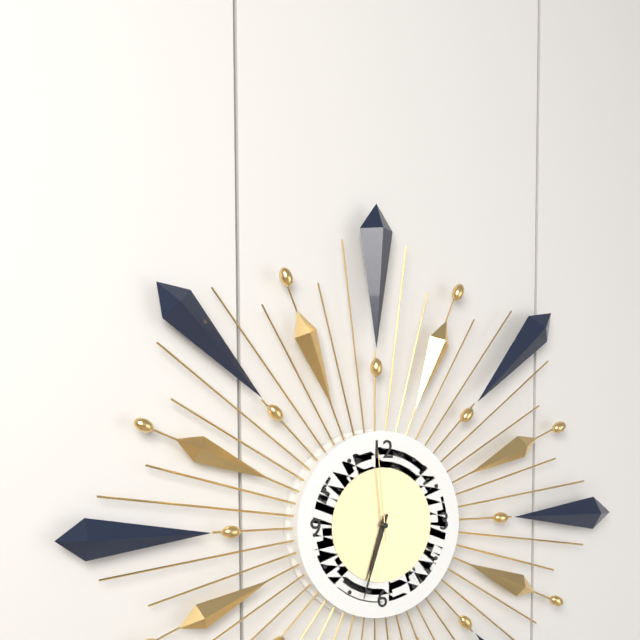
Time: h=6 m=33 s=59
